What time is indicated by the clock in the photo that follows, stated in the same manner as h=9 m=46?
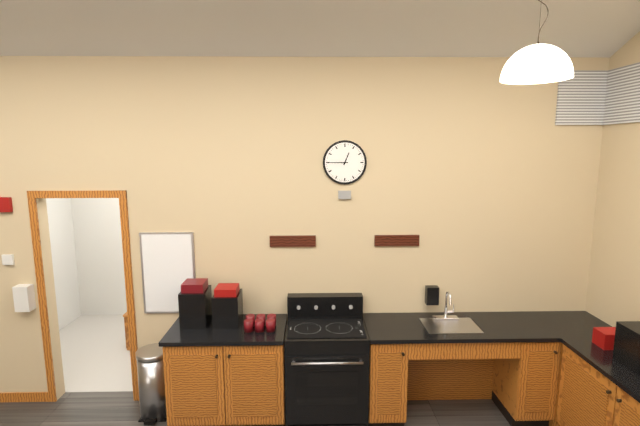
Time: h=12 m=45
